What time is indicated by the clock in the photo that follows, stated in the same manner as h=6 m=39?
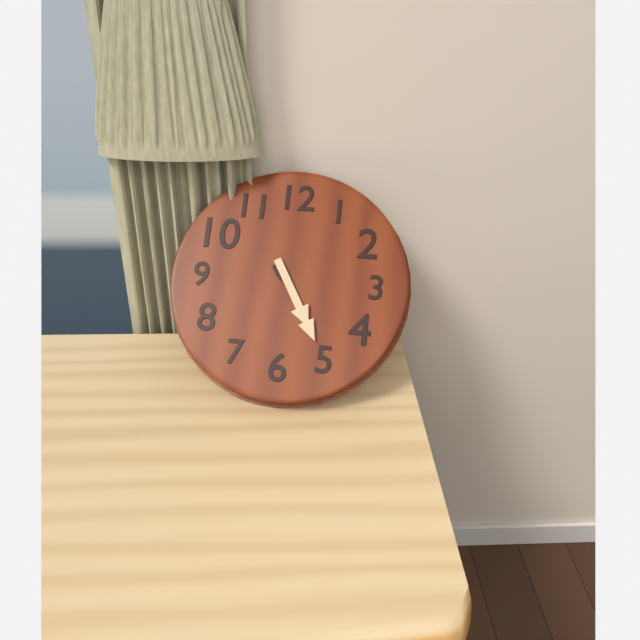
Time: h=10 m=25
